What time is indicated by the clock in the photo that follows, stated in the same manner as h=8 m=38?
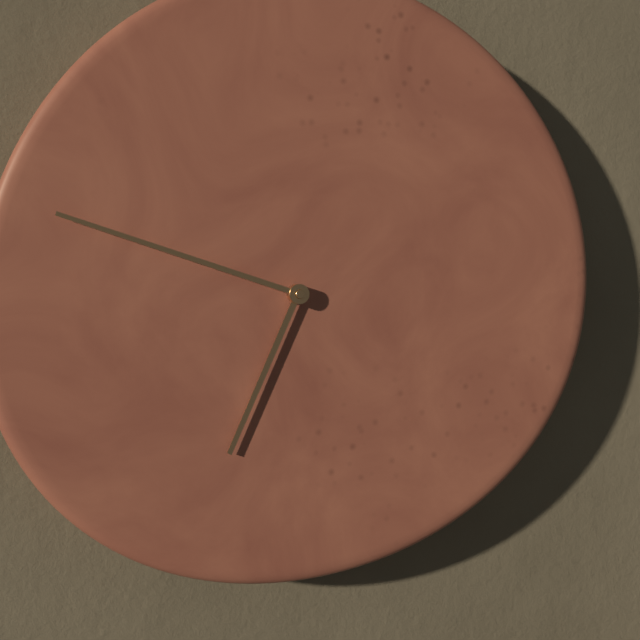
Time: h=6 m=48
